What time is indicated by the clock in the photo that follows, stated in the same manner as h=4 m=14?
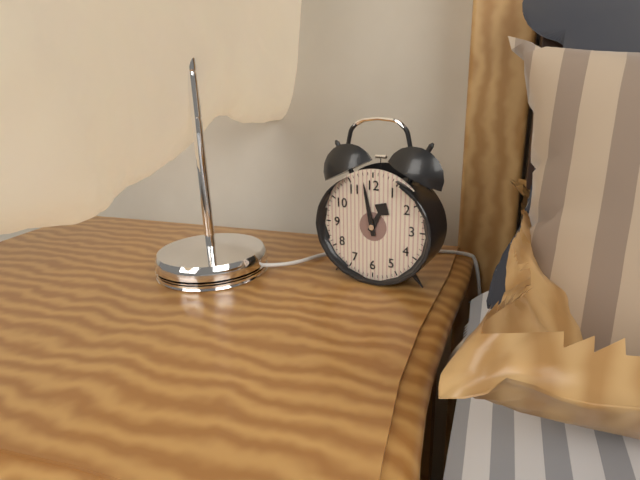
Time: h=12 m=58
